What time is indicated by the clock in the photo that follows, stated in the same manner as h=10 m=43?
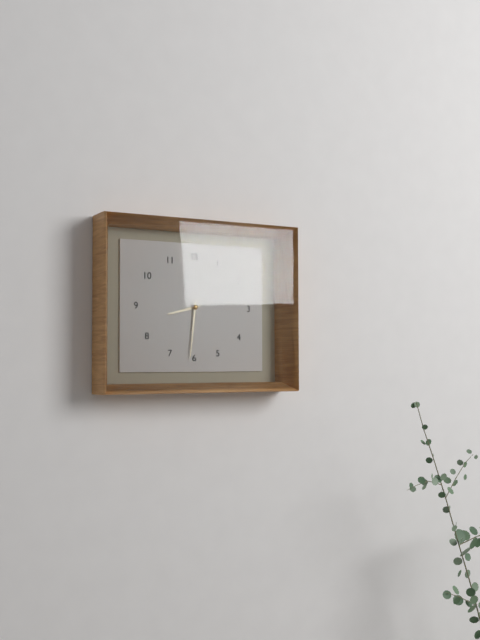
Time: h=8 m=31
